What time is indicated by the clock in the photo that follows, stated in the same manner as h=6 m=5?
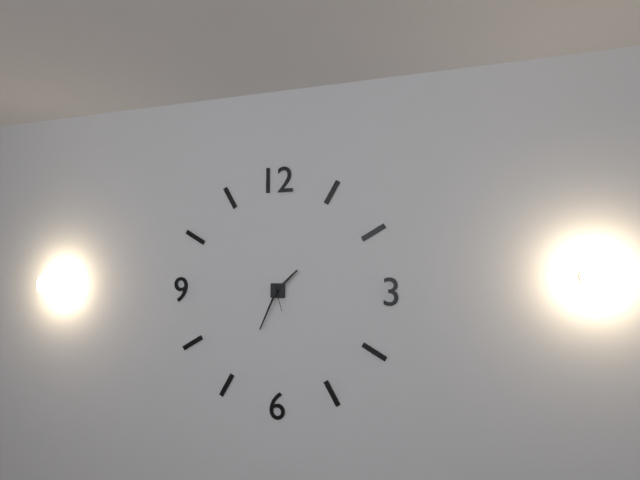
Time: h=1 m=34
